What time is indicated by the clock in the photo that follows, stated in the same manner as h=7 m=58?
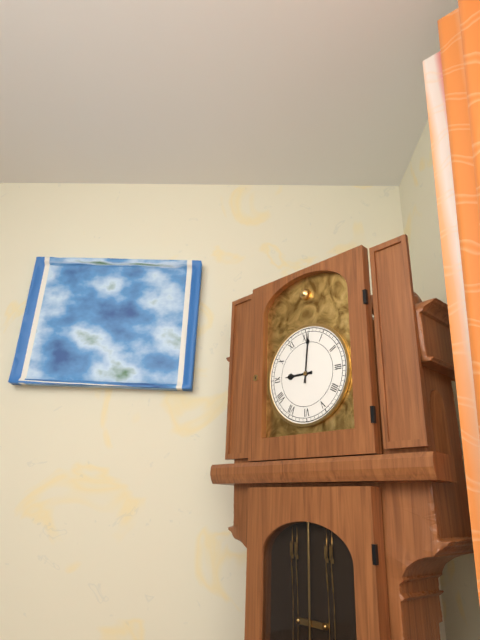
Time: h=9 m=1
